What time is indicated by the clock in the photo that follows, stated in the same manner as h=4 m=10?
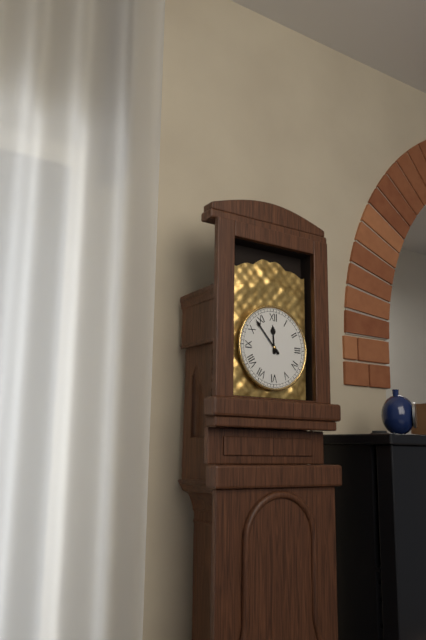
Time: h=11 m=53
